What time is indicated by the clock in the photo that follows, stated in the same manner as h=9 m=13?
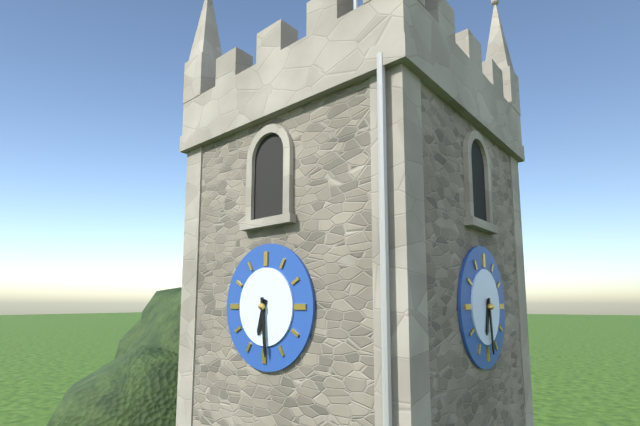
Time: h=6 m=29
